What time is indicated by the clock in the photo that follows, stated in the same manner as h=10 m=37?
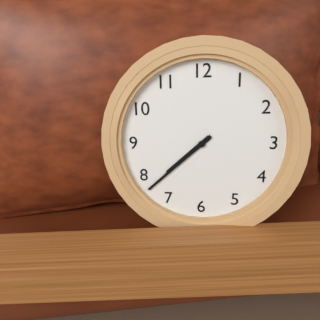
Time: h=7 m=38
